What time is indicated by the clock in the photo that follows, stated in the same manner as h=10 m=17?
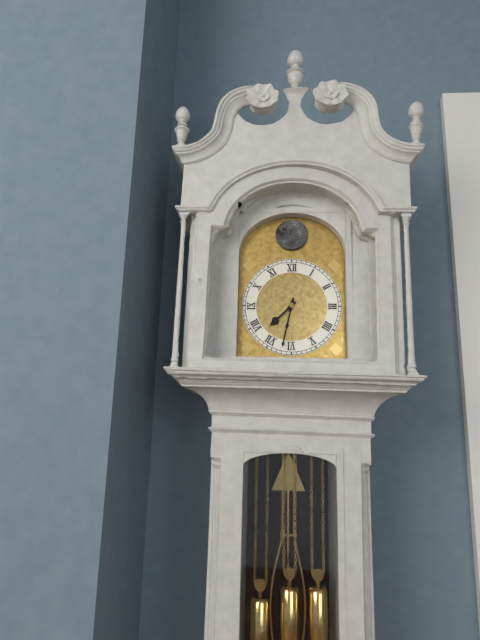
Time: h=7 m=32
